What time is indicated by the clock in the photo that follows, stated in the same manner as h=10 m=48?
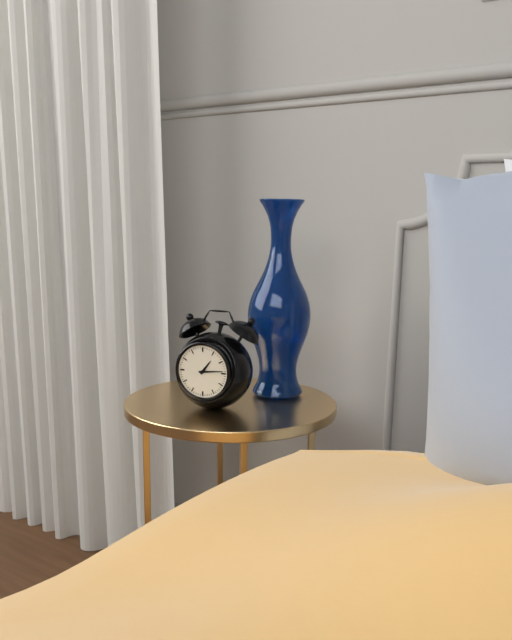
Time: h=1 m=14
